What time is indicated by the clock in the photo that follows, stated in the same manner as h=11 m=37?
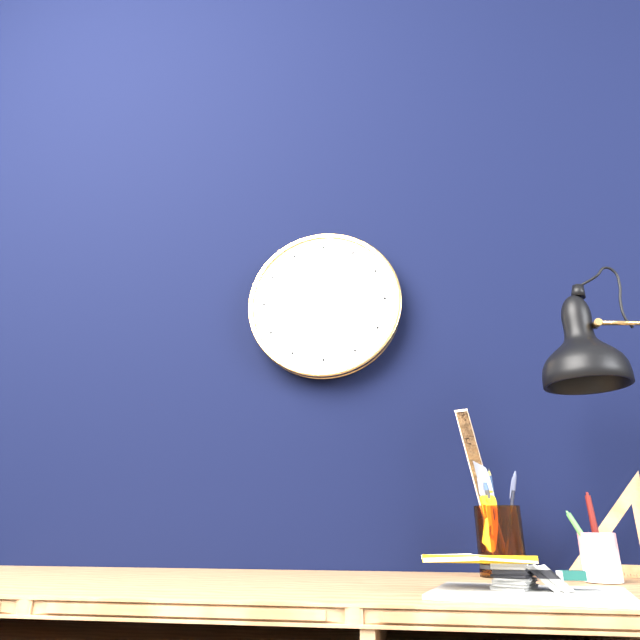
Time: h=5 m=6
